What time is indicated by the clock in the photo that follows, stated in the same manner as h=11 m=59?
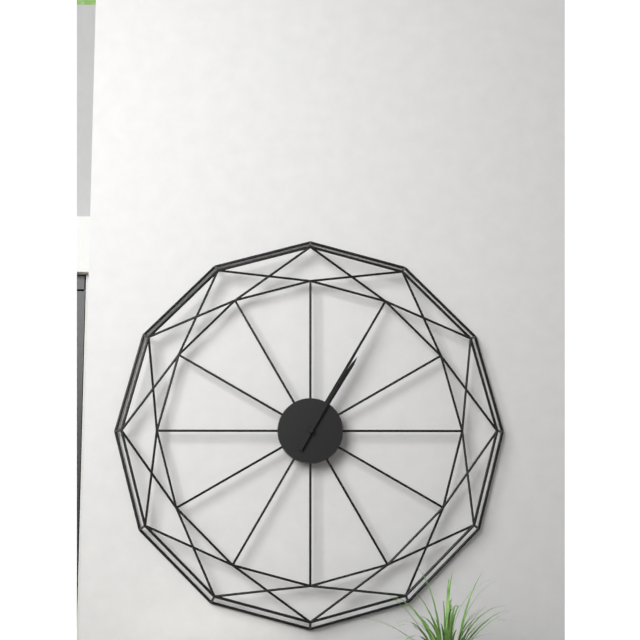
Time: h=1 m=5
